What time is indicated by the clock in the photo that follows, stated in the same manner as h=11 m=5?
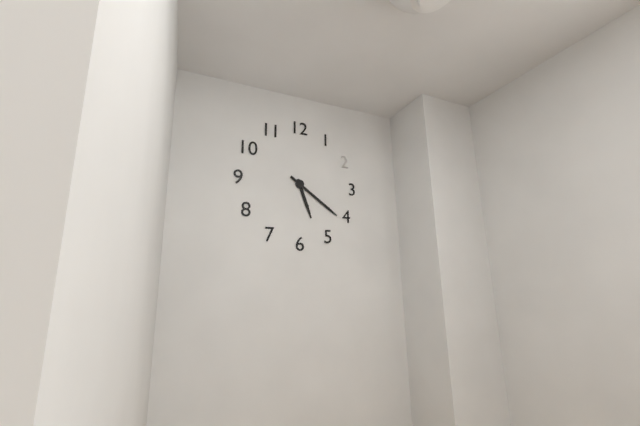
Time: h=5 m=21
